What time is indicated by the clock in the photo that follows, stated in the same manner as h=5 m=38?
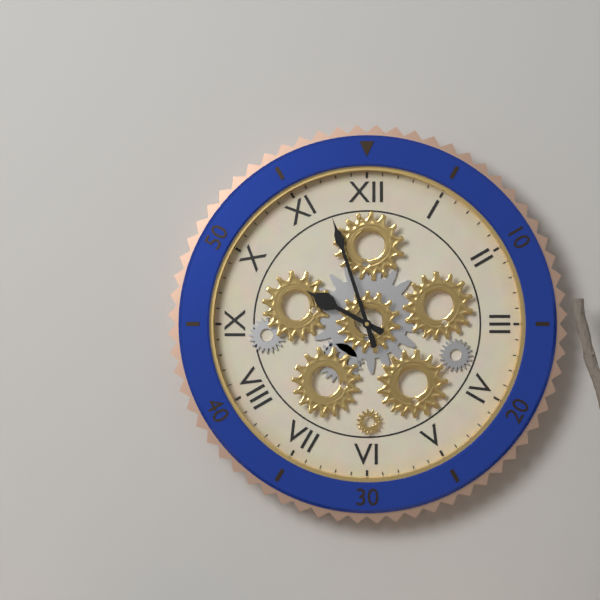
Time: h=9 m=57
